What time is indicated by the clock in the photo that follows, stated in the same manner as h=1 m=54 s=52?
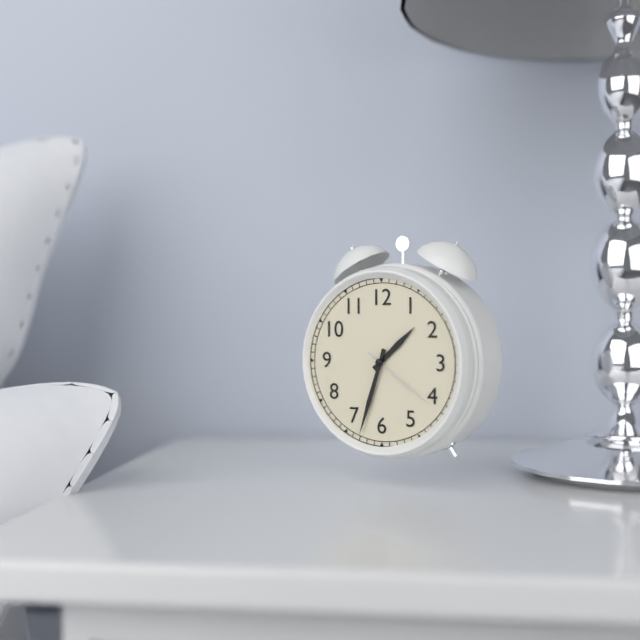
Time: h=1 m=33 s=21
